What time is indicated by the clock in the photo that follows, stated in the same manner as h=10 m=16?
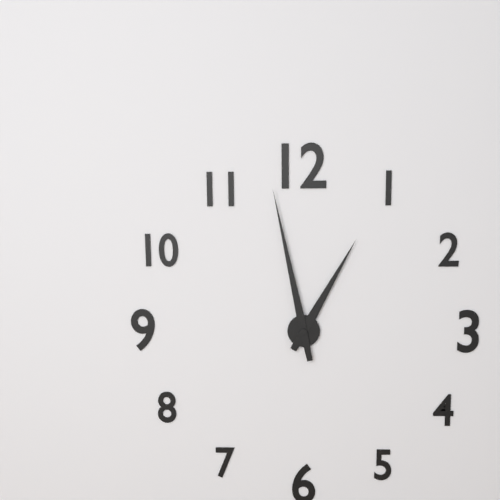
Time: h=12 m=58
